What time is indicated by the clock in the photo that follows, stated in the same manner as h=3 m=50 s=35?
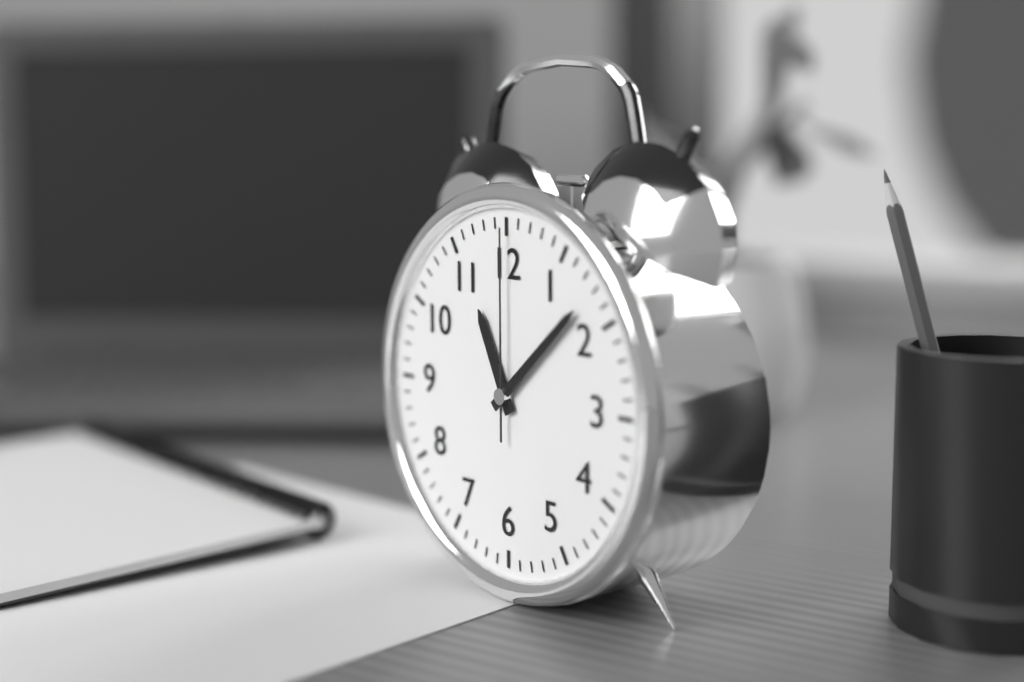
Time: h=11 m=8 s=0
